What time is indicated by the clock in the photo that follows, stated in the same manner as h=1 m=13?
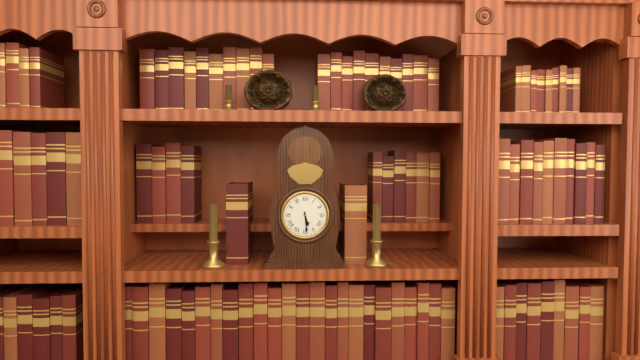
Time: h=5 m=29
